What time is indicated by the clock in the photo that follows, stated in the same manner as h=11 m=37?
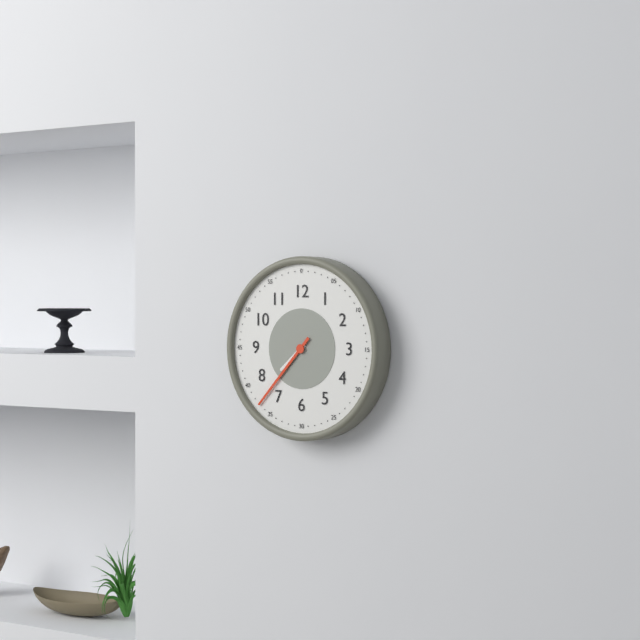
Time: h=7 m=37
